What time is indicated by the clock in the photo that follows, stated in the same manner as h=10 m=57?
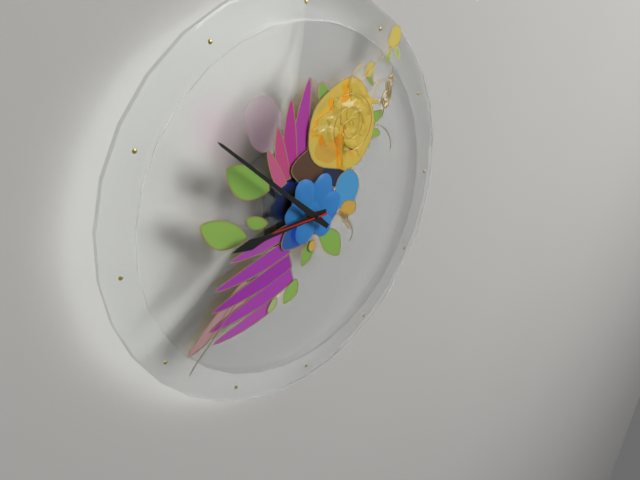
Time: h=8 m=52
